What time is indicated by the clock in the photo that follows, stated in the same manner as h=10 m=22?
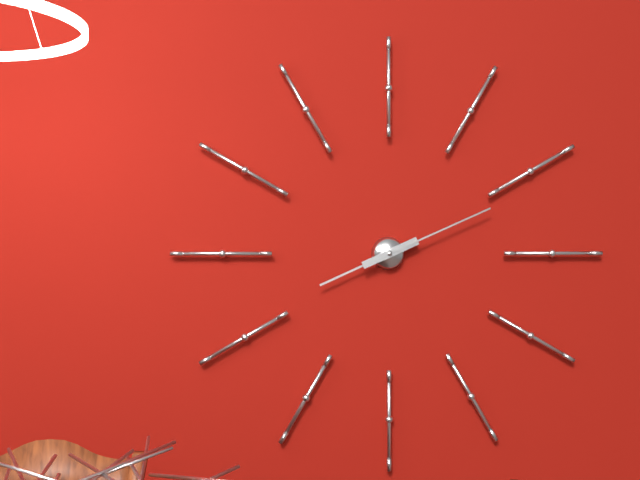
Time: h=8 m=11
